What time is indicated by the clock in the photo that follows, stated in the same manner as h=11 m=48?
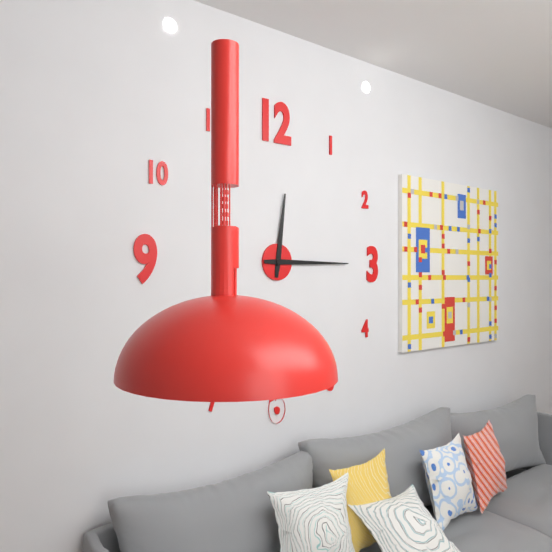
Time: h=12 m=15
